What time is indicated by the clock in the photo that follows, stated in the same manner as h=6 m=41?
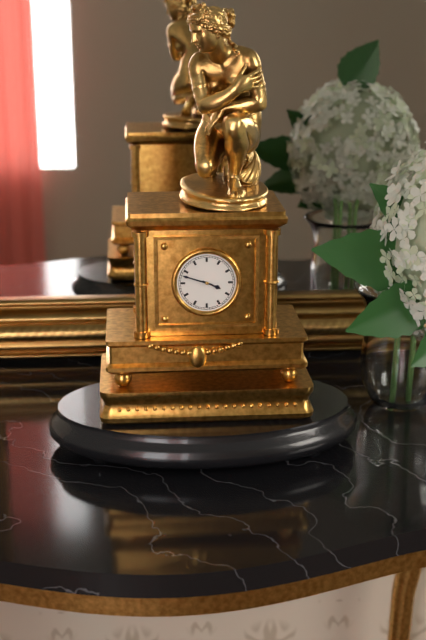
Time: h=3 m=48
